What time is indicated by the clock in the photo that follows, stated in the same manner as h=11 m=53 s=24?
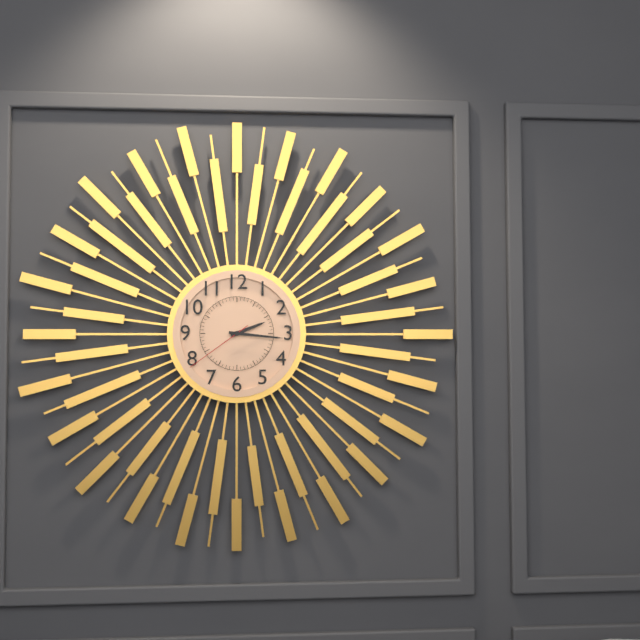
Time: h=2 m=16 s=39
